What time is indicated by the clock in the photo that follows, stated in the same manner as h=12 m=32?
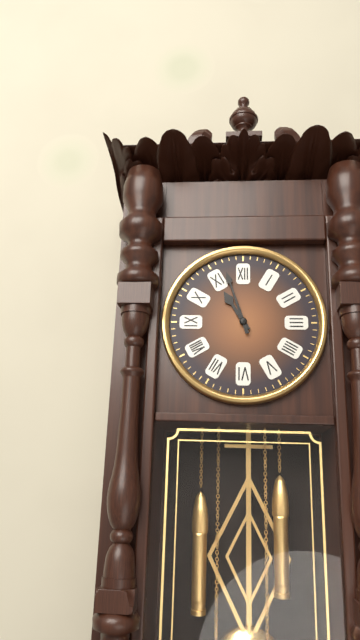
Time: h=10 m=57
